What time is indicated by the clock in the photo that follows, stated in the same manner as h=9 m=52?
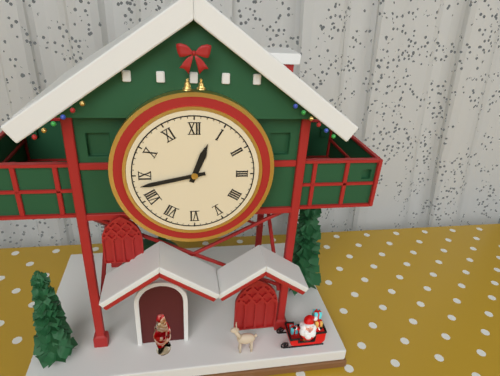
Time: h=12 m=43
